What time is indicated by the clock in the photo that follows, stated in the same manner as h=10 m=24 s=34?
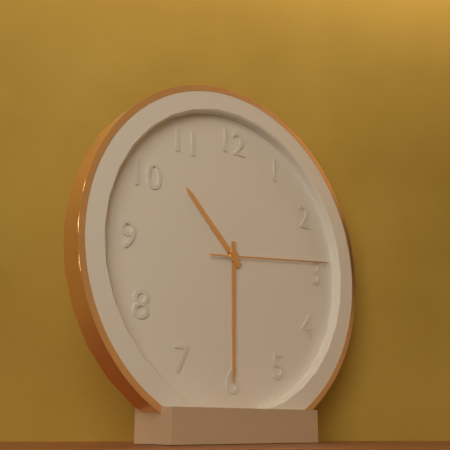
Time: h=10 m=30 s=14
